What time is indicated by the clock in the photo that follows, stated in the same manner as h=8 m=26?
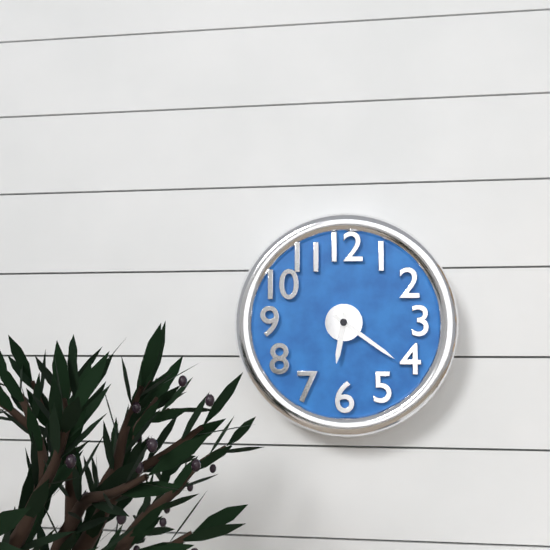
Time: h=6 m=21
